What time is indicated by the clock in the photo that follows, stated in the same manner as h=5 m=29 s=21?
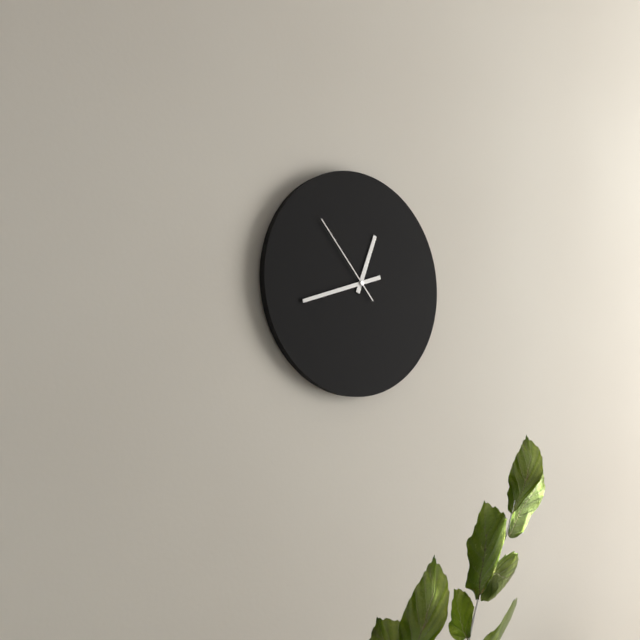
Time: h=12 m=42 s=53
